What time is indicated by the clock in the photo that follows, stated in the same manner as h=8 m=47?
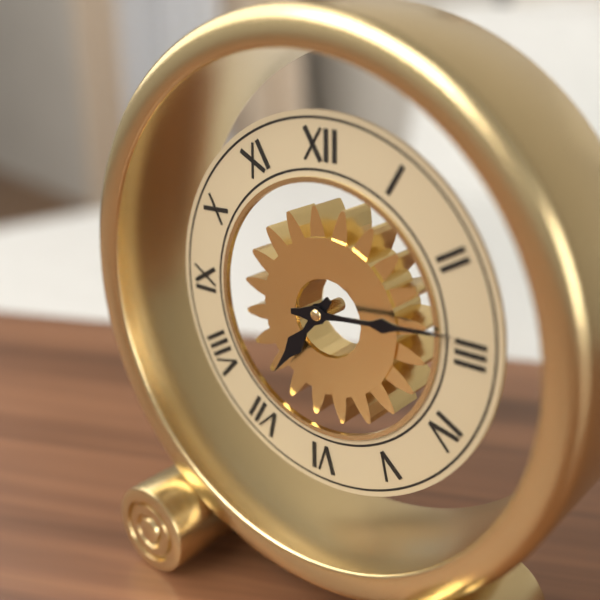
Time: h=7 m=14
